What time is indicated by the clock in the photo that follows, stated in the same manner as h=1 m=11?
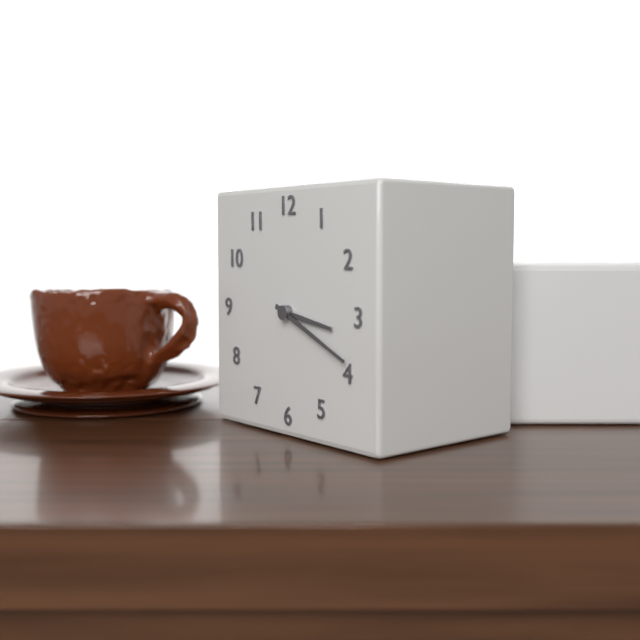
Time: h=3 m=19
